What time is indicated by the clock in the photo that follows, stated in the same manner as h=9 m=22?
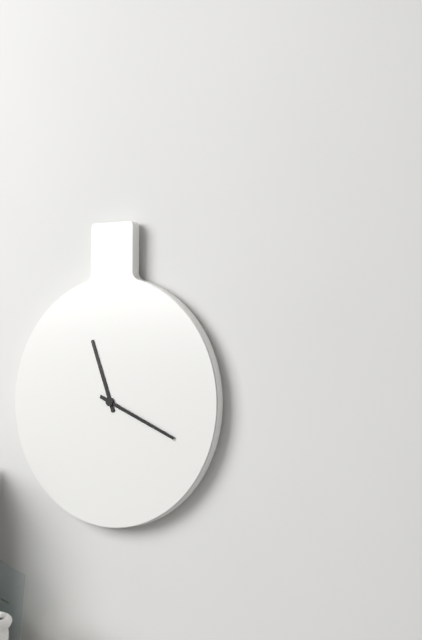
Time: h=11 m=19
